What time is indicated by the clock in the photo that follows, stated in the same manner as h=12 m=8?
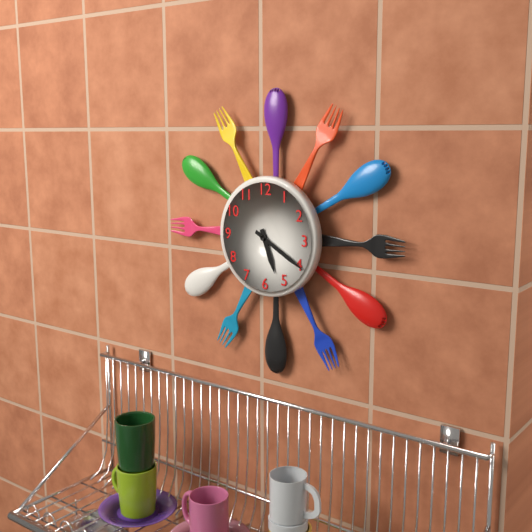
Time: h=5 m=20
